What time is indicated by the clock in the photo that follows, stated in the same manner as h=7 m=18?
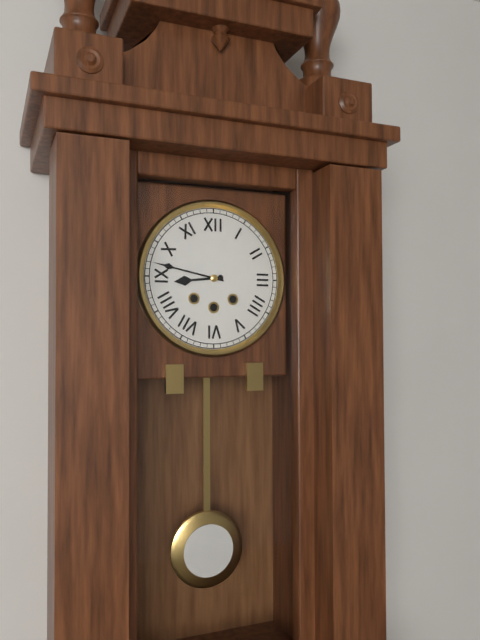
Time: h=8 m=47
